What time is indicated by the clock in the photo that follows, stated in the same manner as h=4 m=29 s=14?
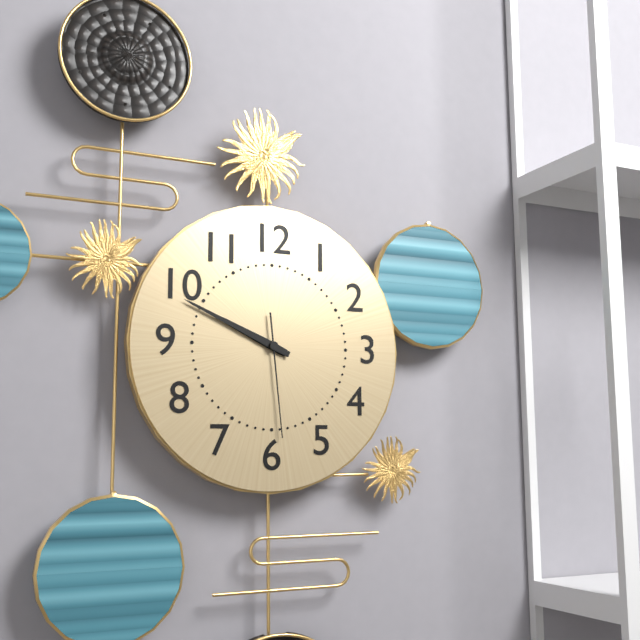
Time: h=9 m=49 s=29
